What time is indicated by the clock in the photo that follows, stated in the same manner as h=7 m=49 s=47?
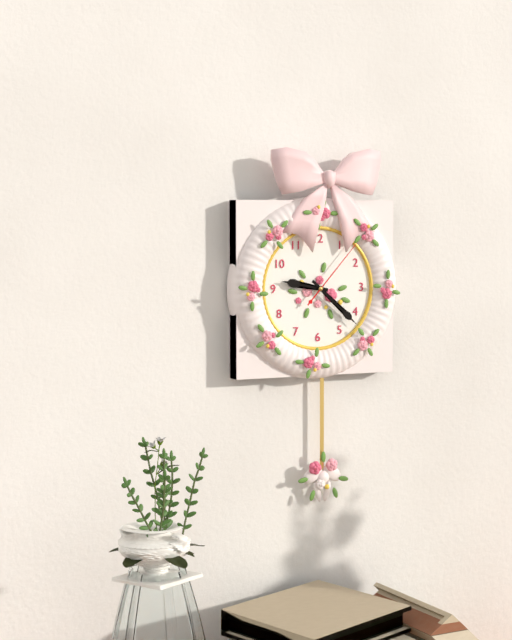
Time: h=9 m=22 s=7
